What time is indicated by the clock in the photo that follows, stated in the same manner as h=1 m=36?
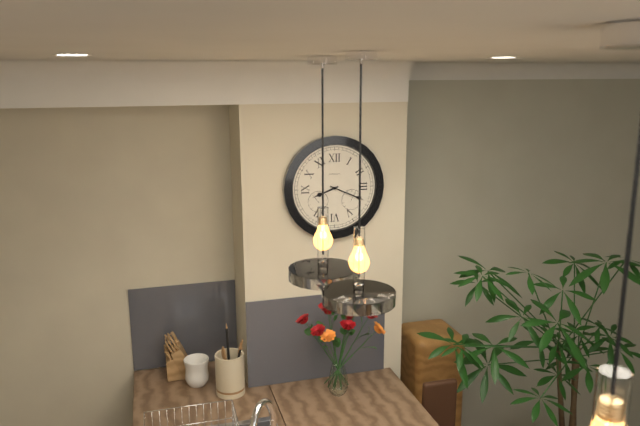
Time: h=8 m=19
